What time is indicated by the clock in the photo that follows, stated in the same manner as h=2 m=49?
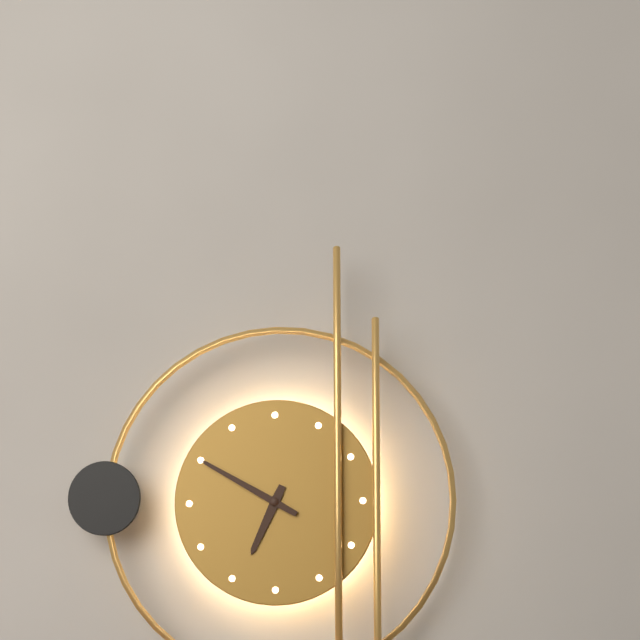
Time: h=6 m=50
